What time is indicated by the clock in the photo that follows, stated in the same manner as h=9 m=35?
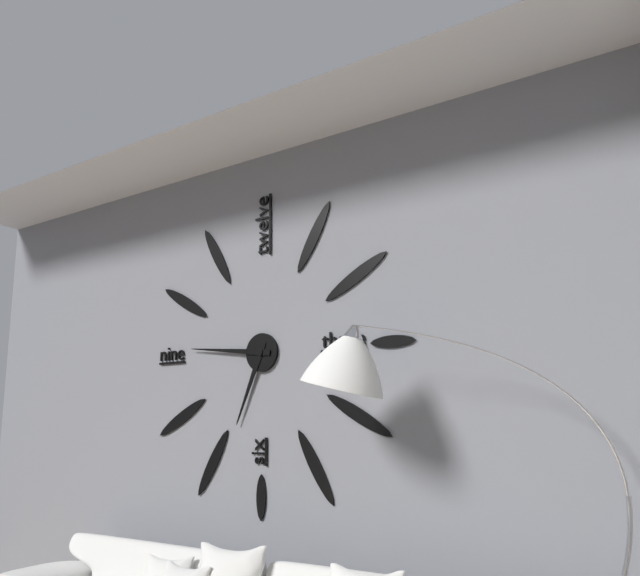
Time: h=6 m=46
